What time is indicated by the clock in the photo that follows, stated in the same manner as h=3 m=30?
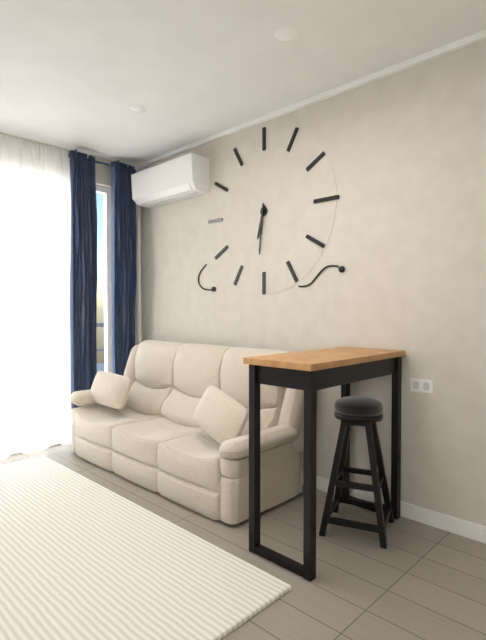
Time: h=6 m=31
